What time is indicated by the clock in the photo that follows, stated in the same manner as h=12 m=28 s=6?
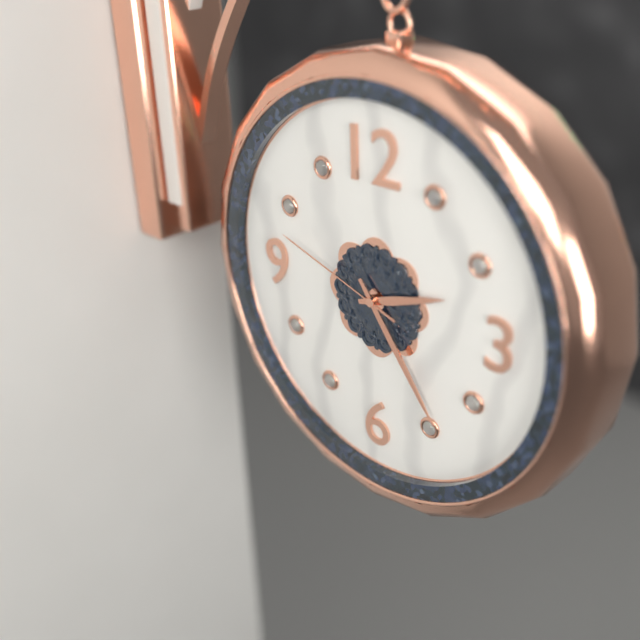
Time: h=2 m=24 s=48
